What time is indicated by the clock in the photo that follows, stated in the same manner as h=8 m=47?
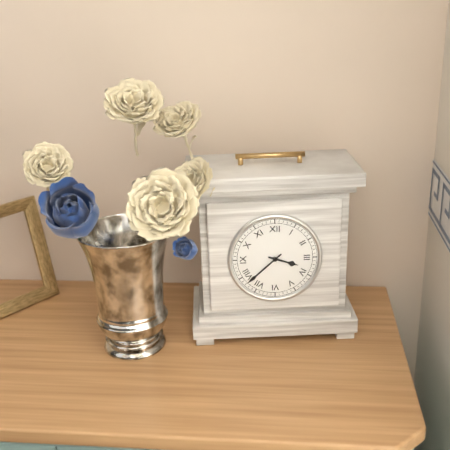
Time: h=3 m=38
